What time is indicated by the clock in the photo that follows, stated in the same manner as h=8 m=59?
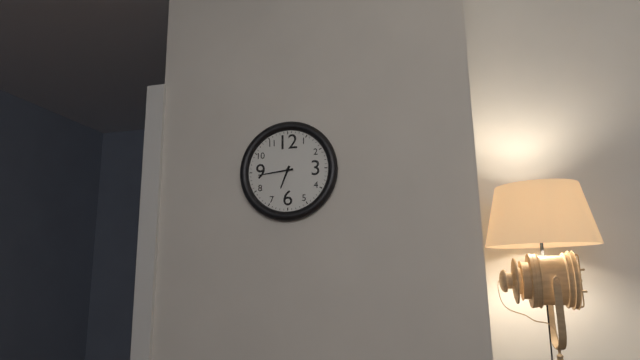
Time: h=6 m=44
